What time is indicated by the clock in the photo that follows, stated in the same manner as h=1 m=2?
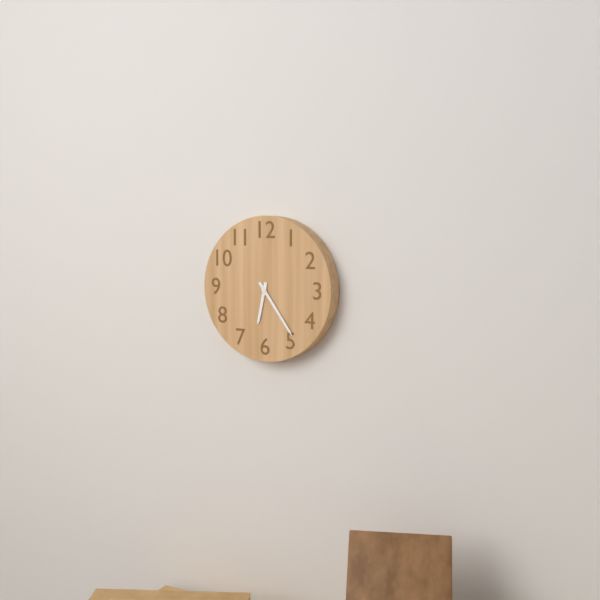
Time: h=6 m=24
